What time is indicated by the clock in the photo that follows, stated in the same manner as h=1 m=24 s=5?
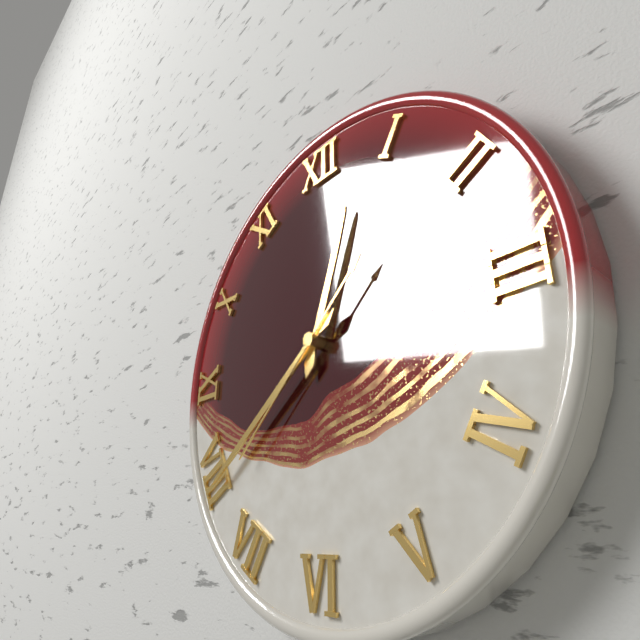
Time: h=12 m=39 s=38
